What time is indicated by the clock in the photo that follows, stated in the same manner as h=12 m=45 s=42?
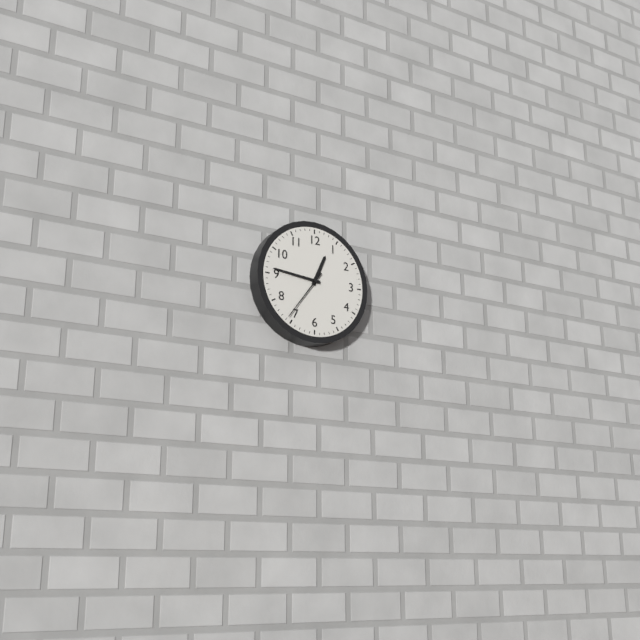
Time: h=12 m=46 s=36
